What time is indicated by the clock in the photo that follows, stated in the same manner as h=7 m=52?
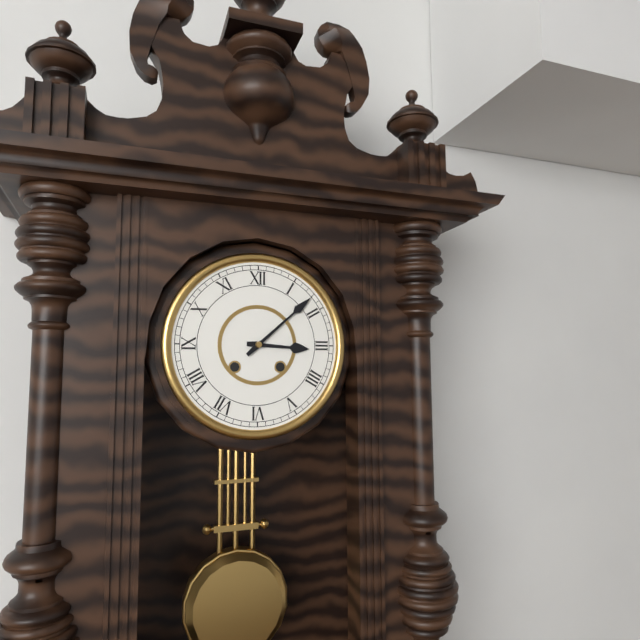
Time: h=3 m=8
